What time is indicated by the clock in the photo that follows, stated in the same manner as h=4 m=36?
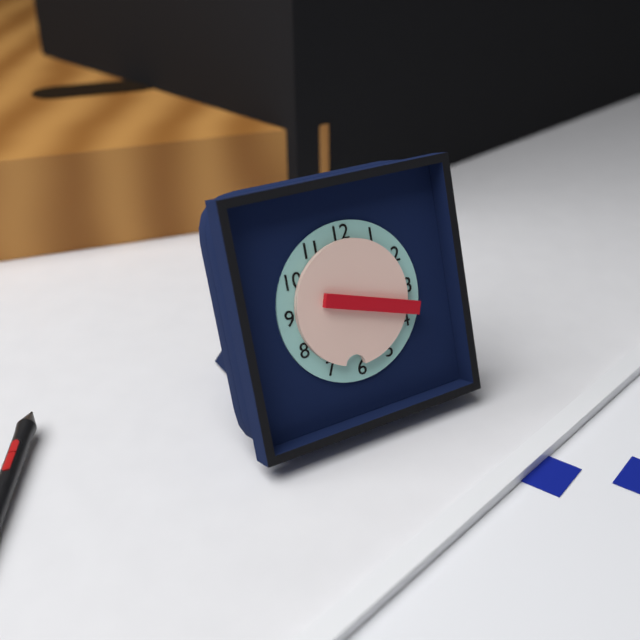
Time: h=6 m=18
